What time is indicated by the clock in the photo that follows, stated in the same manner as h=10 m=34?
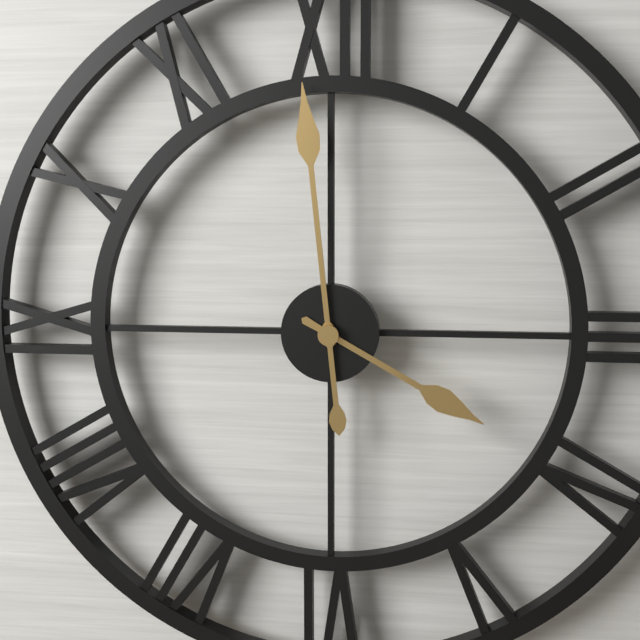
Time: h=3 m=59
